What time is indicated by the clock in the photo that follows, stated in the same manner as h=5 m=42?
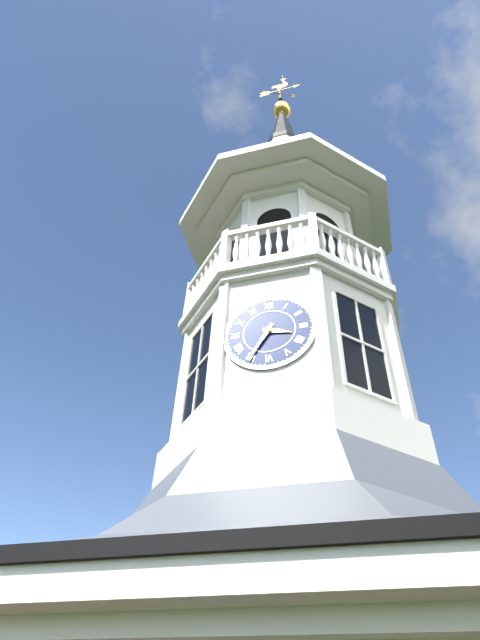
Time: h=3 m=35
